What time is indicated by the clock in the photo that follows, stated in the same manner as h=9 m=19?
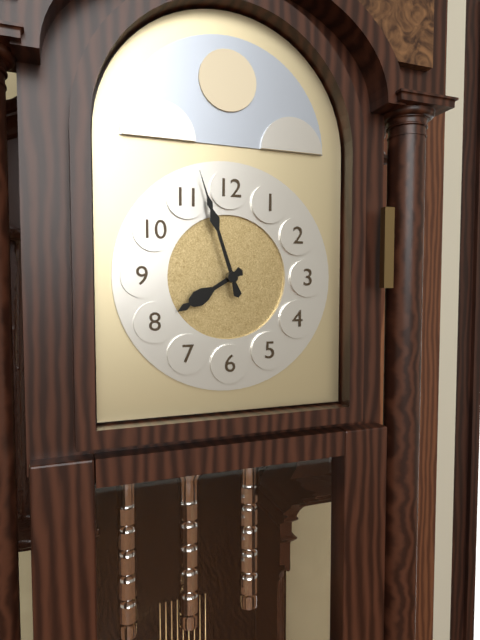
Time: h=7 m=57
